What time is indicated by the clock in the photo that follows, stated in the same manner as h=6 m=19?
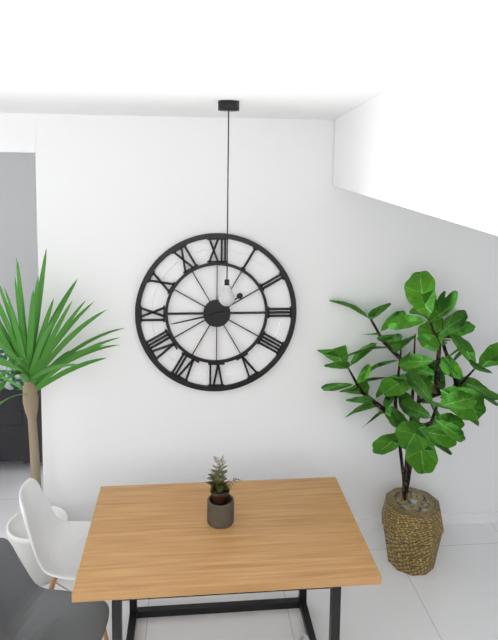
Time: h=1 m=43
